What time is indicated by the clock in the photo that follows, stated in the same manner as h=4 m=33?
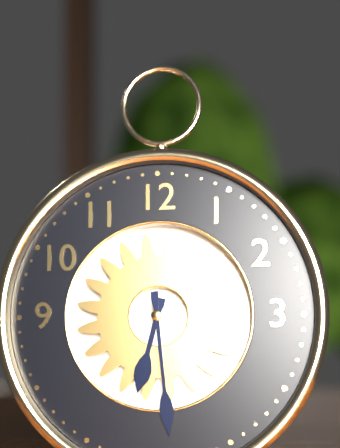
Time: h=6 m=29
